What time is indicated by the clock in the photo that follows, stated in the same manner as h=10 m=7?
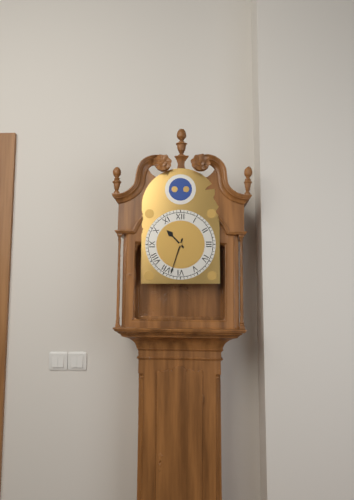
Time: h=10 m=33
